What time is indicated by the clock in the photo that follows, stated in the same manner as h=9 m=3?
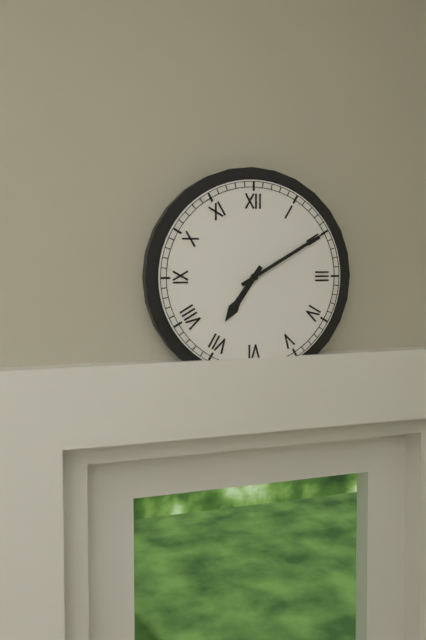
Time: h=7 m=10
